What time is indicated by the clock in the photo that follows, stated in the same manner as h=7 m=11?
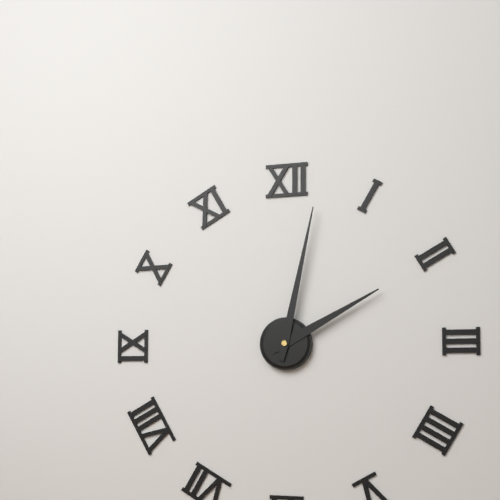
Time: h=2 m=2
